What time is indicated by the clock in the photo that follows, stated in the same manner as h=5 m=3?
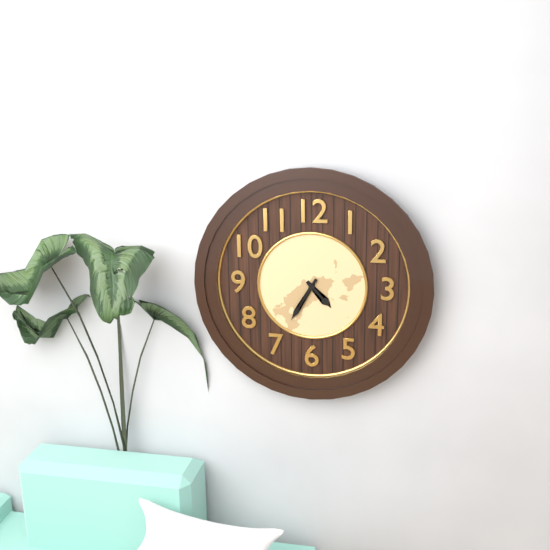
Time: h=4 m=35
